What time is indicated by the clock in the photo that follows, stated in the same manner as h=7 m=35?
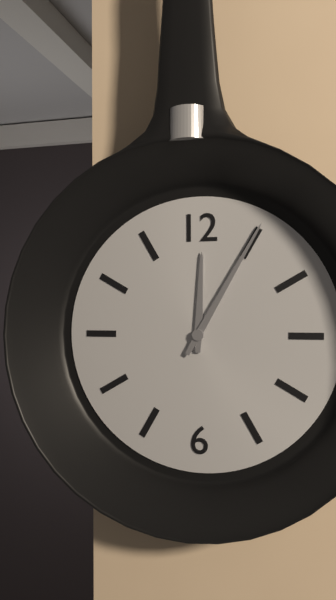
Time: h=12 m=5
